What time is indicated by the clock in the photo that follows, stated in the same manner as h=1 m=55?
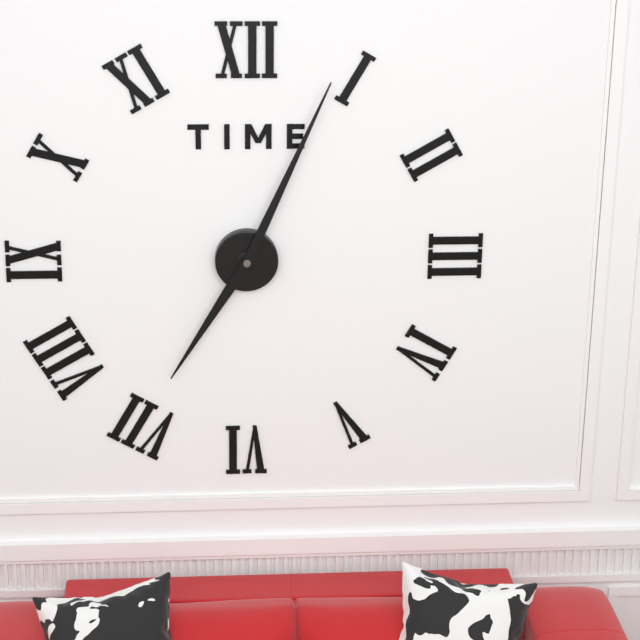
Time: h=7 m=4
